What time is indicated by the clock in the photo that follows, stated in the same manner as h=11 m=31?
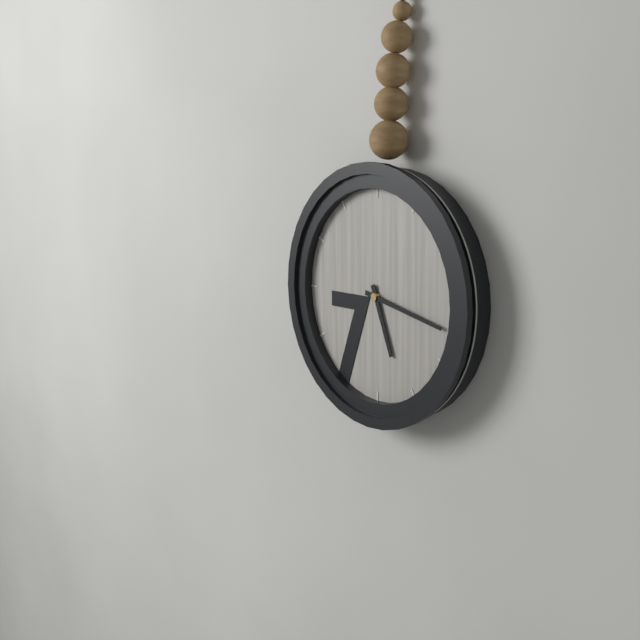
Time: h=5 m=17
